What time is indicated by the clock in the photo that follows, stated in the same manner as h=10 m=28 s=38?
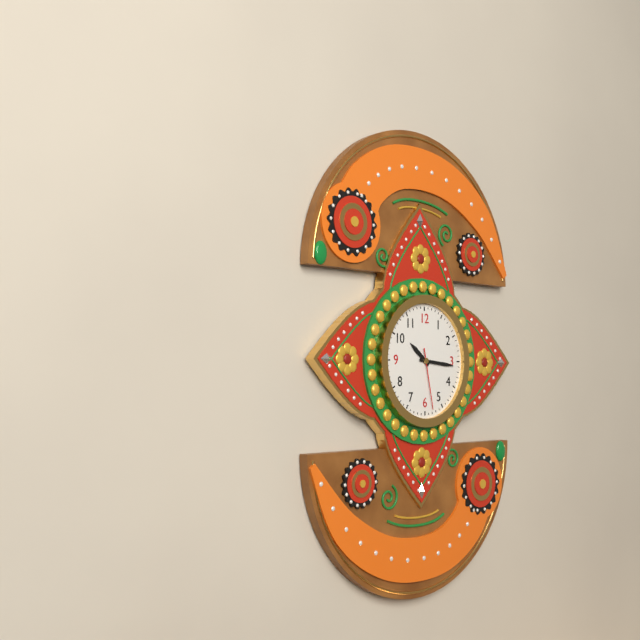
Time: h=10 m=16 s=28
